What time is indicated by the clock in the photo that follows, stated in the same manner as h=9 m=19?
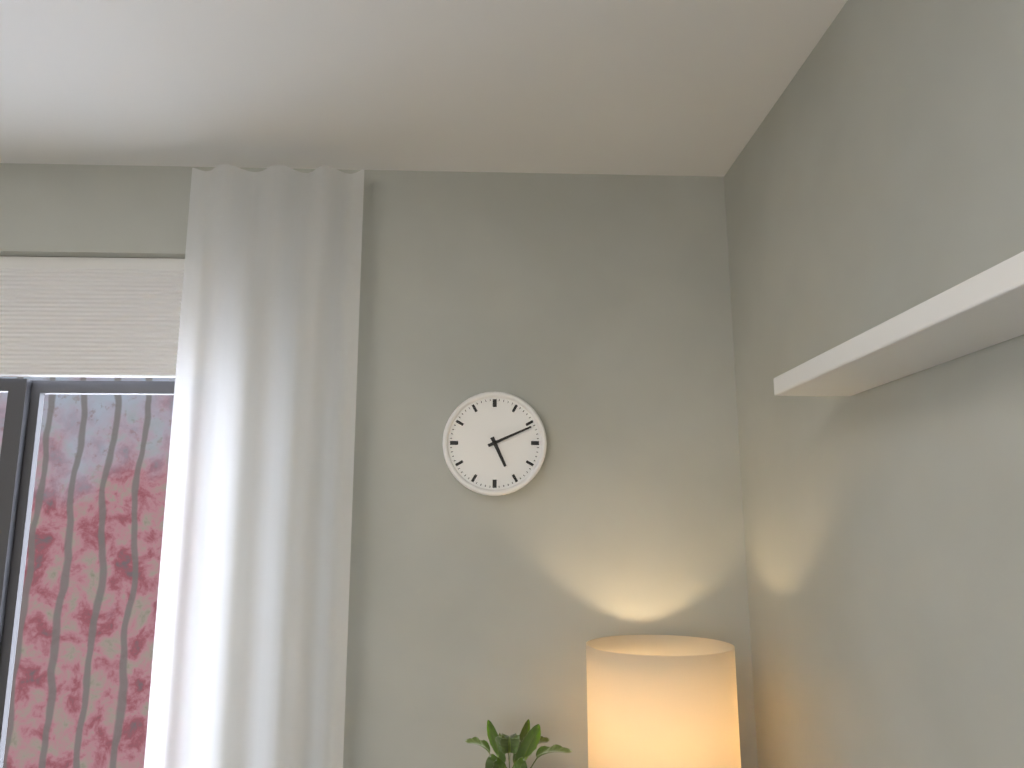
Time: h=5 m=11
